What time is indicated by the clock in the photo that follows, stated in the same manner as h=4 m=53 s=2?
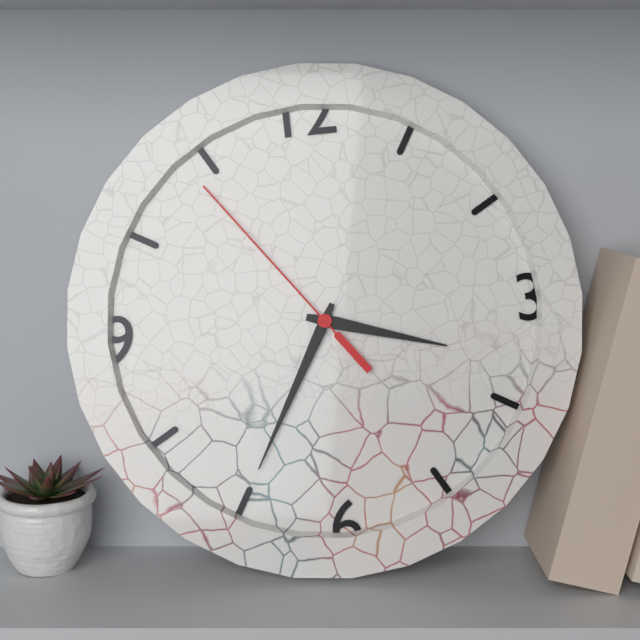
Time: h=3 m=35 s=54
